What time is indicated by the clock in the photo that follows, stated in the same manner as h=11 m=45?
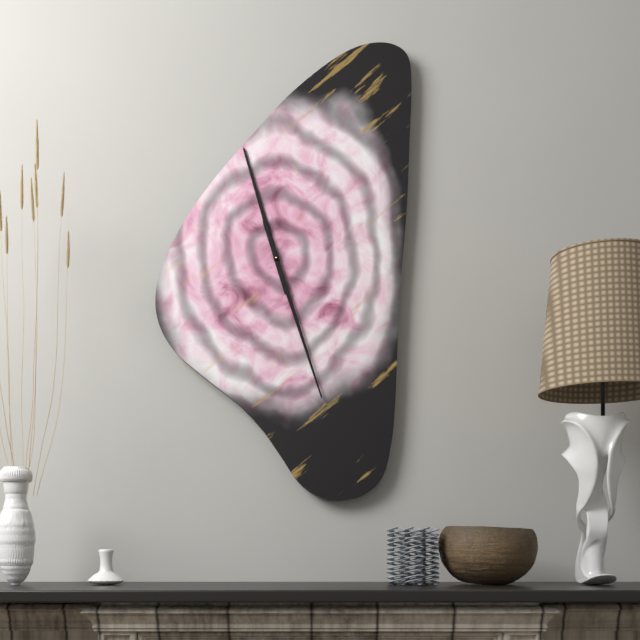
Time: h=11 m=27
